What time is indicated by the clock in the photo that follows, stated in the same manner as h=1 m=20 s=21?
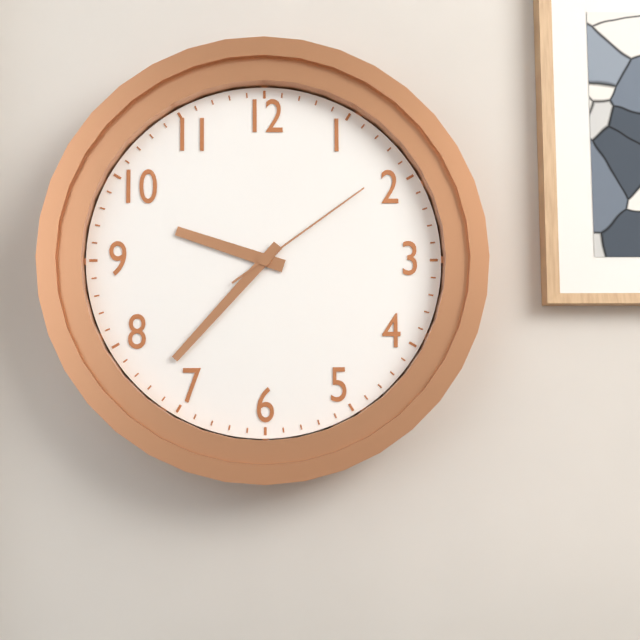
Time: h=9 m=37 s=9
